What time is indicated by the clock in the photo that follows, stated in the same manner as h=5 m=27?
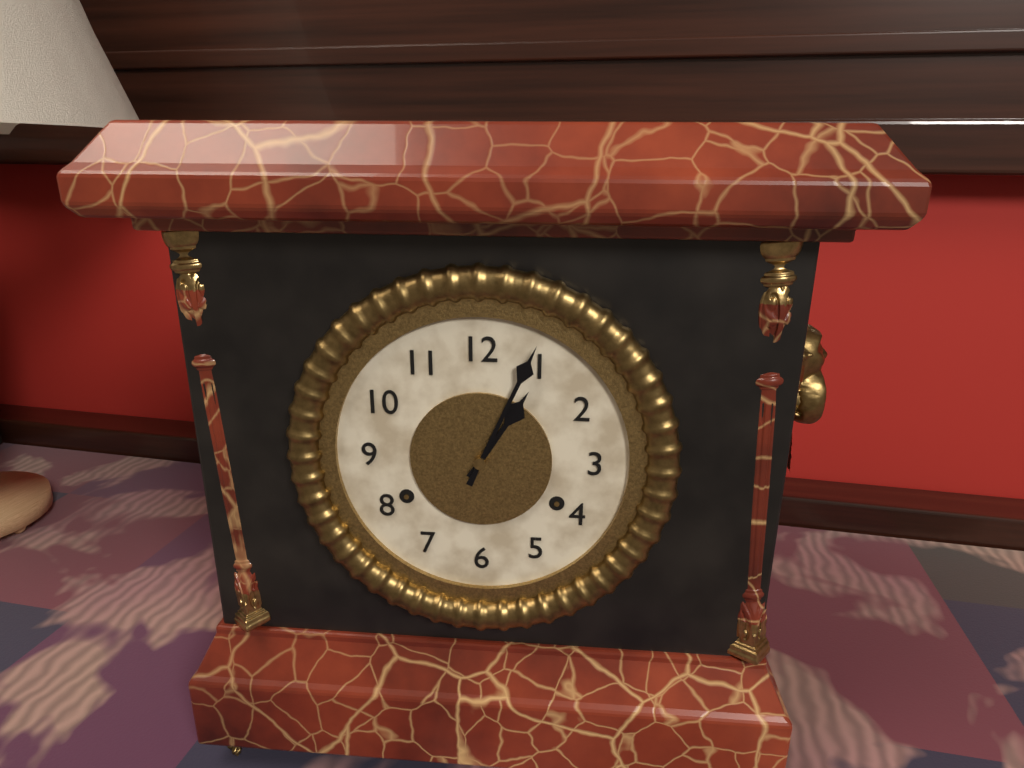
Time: h=1 m=4
